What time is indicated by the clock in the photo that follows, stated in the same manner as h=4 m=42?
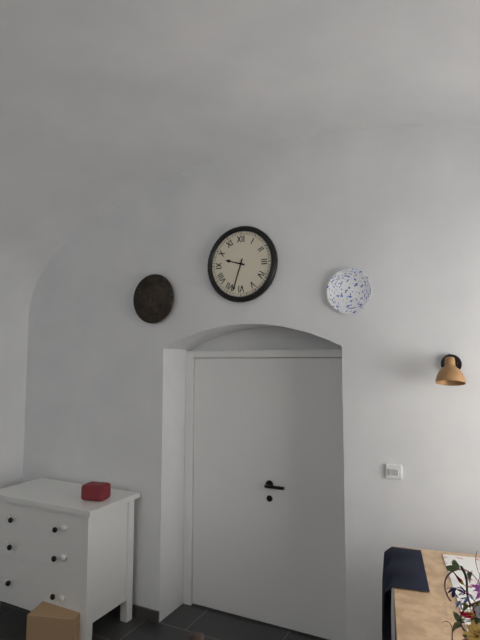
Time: h=9 m=33
